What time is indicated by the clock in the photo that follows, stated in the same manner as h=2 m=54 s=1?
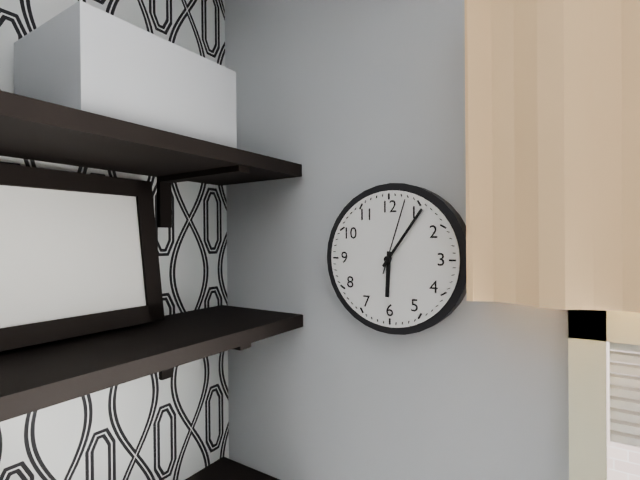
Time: h=6 m=6 s=3
